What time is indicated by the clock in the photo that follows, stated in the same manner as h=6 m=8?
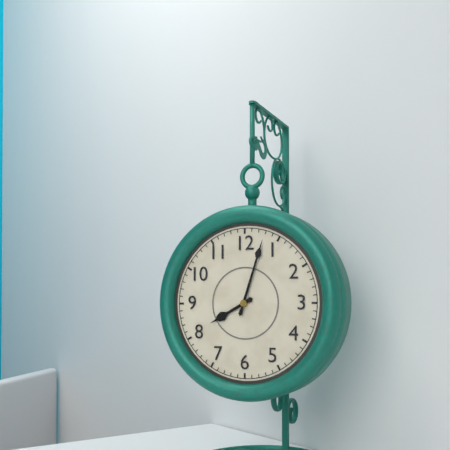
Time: h=8 m=3
